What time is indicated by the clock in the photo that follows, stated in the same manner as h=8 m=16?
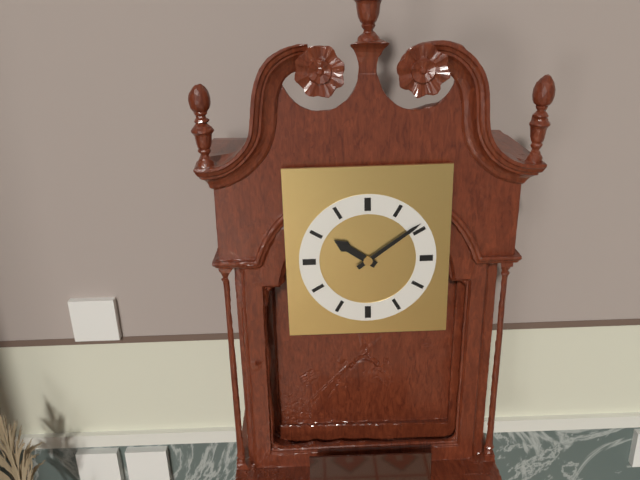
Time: h=10 m=9
